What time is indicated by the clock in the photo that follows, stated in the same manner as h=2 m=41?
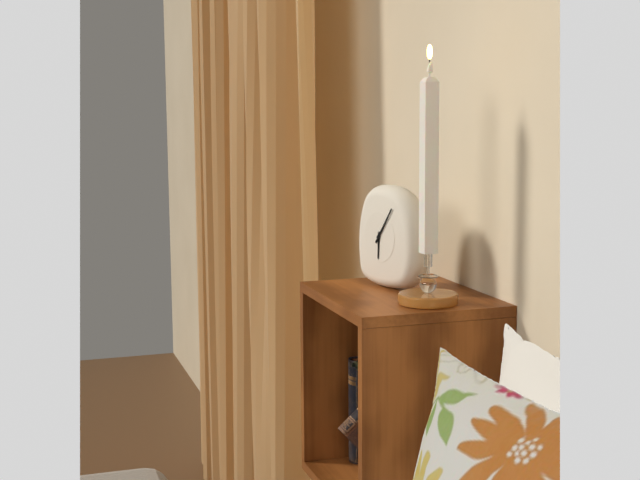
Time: h=6 m=6
